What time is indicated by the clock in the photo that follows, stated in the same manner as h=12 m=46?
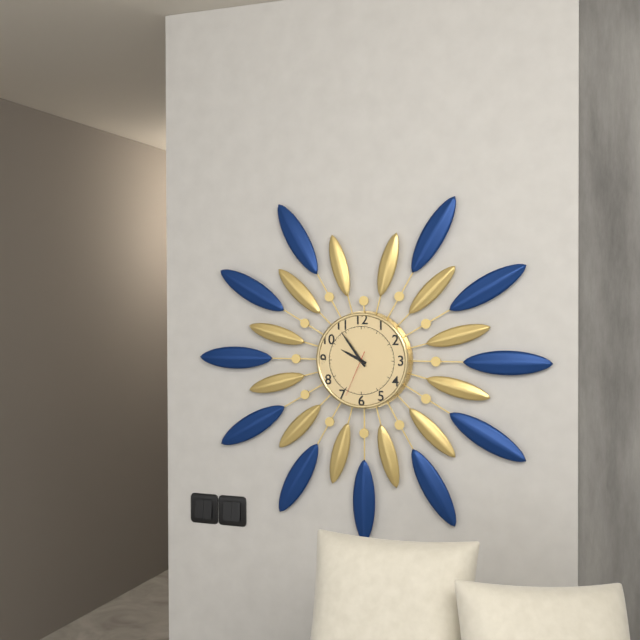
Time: h=9 m=54
